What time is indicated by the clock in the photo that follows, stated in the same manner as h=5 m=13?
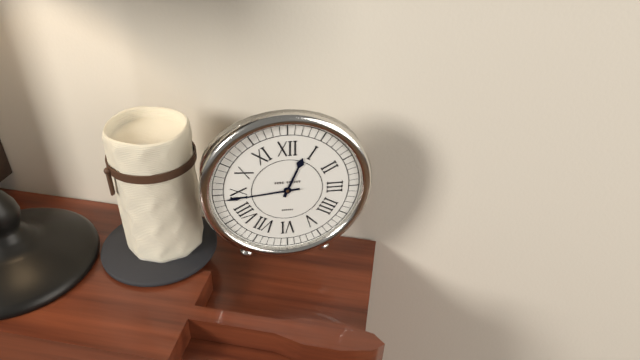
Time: h=12 m=44
